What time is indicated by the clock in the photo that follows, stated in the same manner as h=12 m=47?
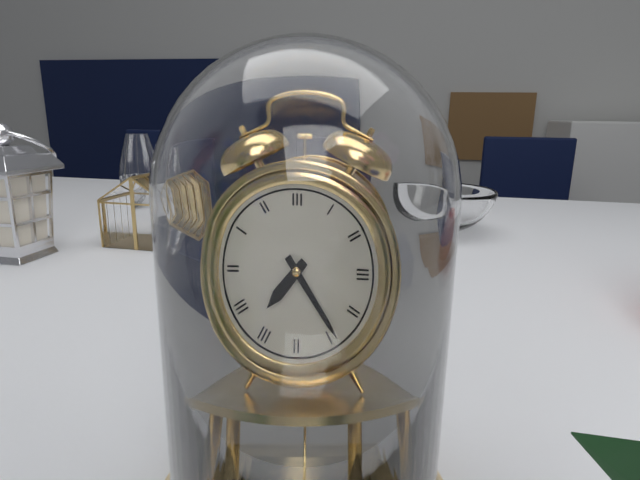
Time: h=7 m=24
